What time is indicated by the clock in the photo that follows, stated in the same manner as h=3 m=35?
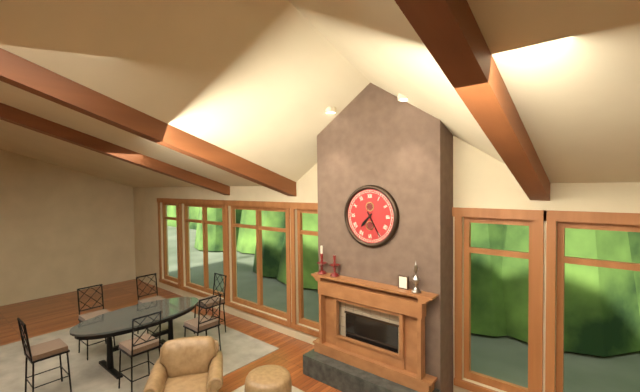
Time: h=7 m=25
